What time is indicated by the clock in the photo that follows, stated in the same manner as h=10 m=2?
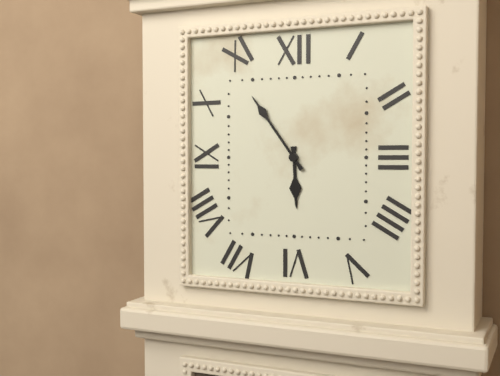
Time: h=5 m=54
